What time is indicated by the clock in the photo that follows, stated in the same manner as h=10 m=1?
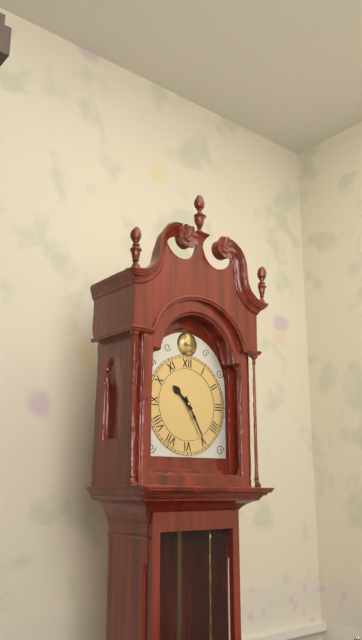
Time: h=10 m=25
